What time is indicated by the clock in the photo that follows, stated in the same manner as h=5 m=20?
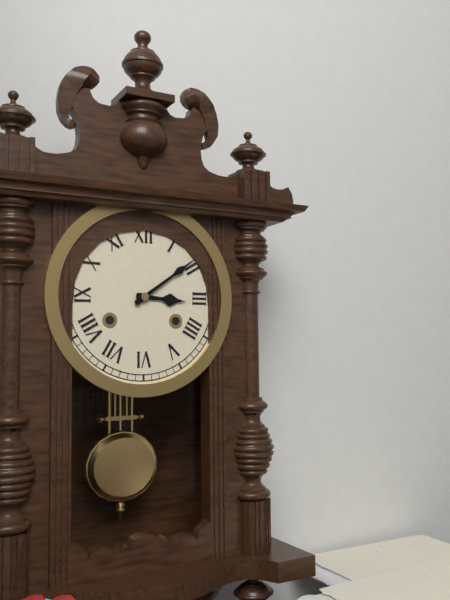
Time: h=3 m=9
